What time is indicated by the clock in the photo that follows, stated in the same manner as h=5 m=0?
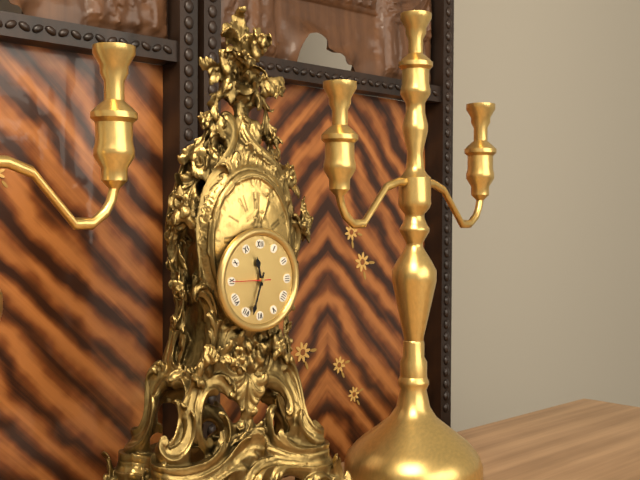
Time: h=11 m=33
